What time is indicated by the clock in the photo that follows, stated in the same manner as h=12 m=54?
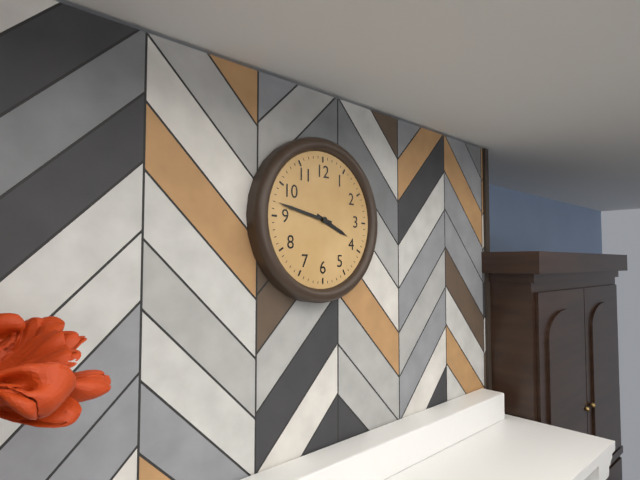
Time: h=3 m=47
